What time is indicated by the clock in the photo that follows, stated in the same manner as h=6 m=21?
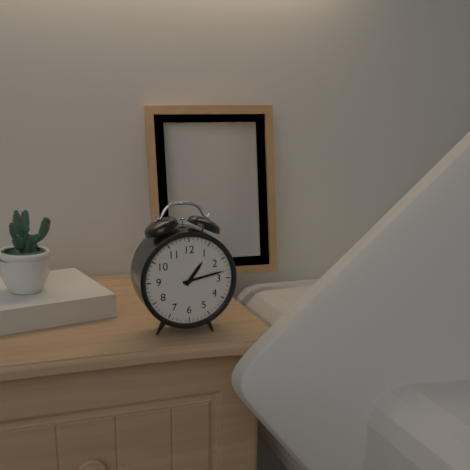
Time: h=1 m=13
